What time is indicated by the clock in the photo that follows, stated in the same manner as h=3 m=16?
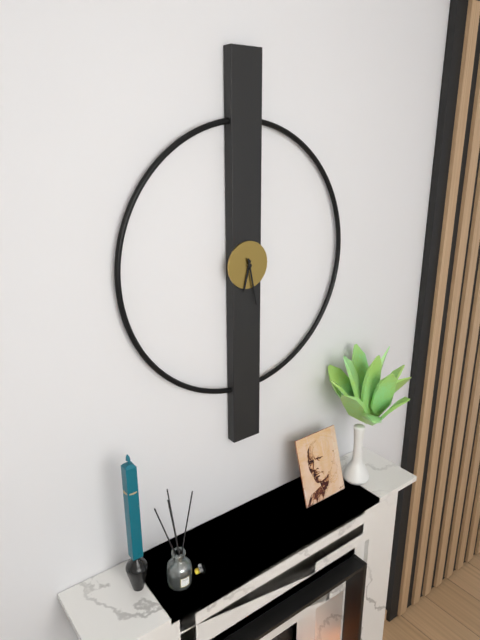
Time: h=6 m=28
